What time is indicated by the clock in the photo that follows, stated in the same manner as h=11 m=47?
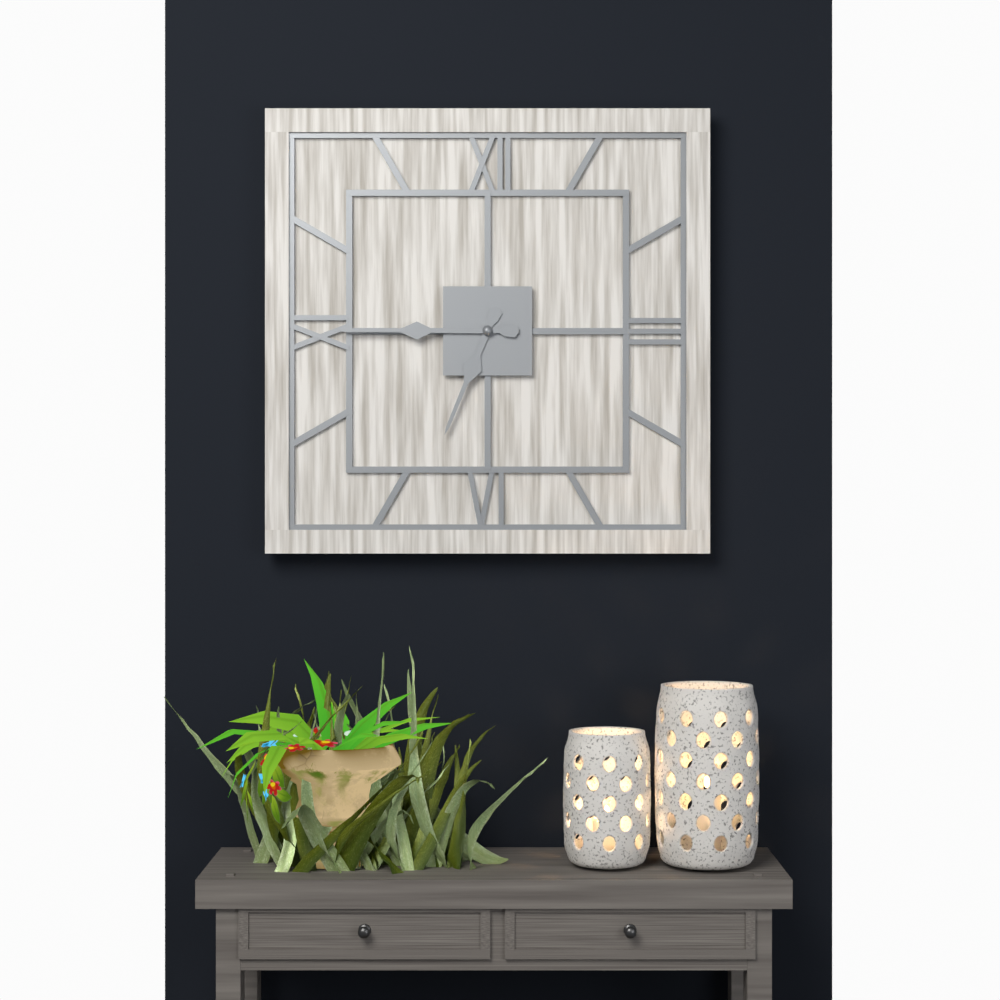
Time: h=6 m=45
